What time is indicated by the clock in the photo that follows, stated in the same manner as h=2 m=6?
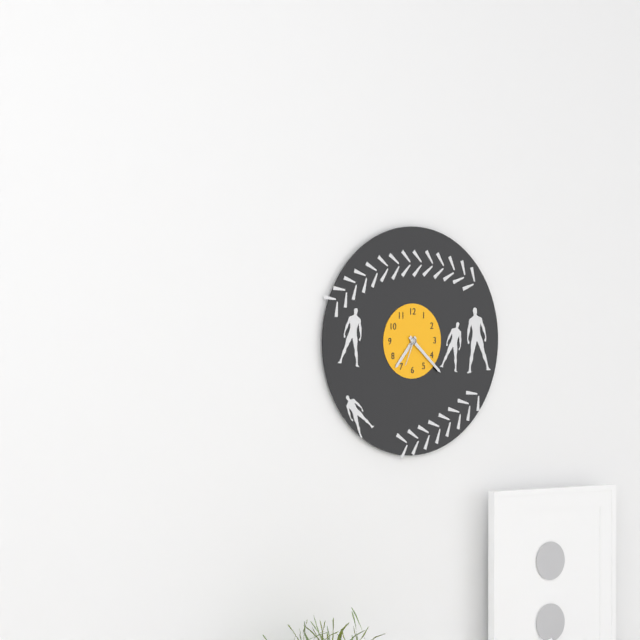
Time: h=7 m=22
